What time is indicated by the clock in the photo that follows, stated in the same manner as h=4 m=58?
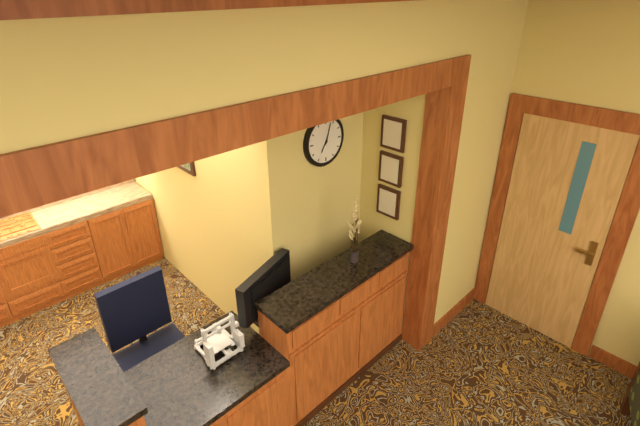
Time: h=7 m=3
